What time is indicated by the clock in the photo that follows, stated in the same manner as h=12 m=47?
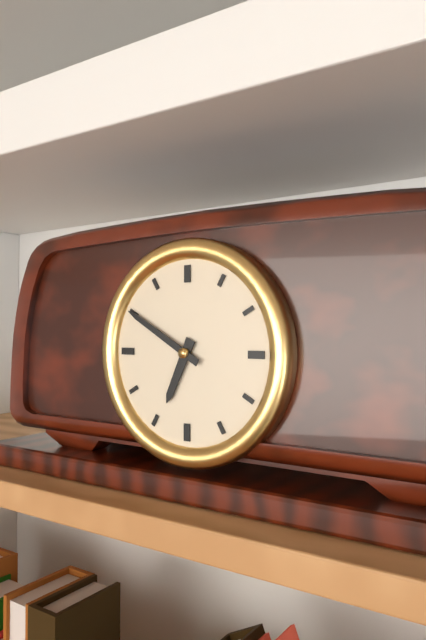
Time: h=6 m=50
